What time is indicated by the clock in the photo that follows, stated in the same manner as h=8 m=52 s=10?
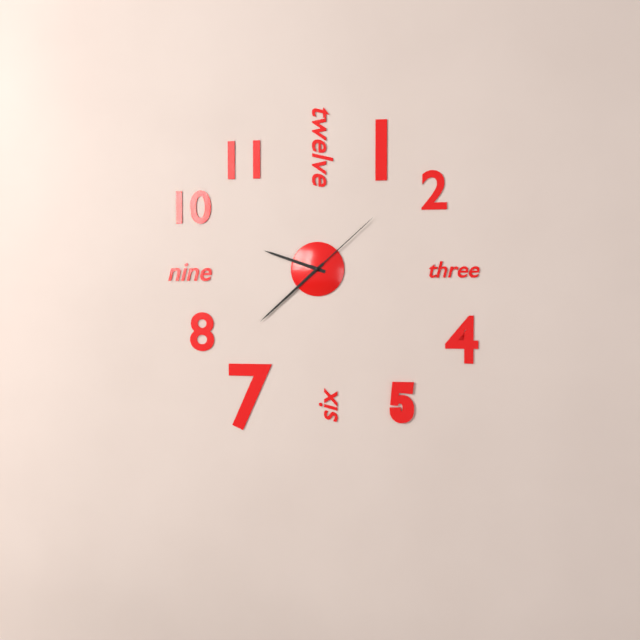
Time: h=9 m=38 s=8
